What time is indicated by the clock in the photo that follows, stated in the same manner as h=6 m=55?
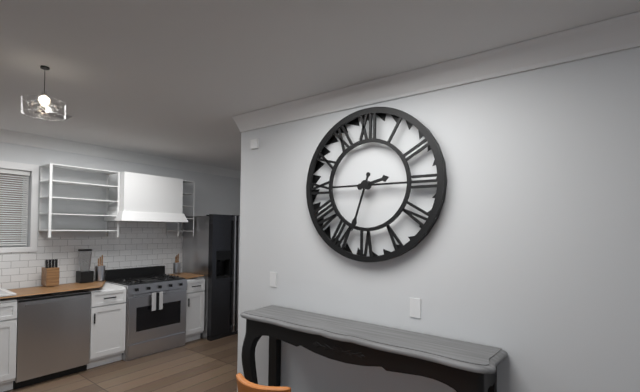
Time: h=2 m=33
